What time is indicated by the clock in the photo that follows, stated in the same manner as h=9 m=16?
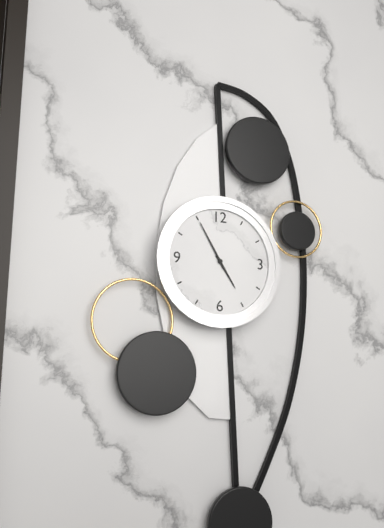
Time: h=4 m=55
